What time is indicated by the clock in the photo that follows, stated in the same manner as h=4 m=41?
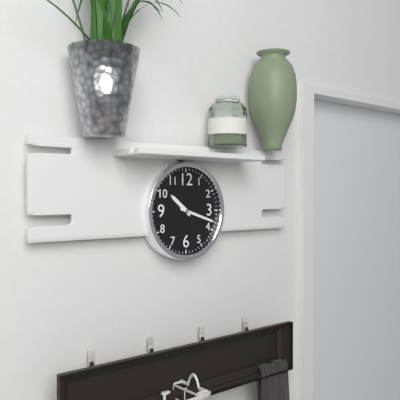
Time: h=10 m=18
